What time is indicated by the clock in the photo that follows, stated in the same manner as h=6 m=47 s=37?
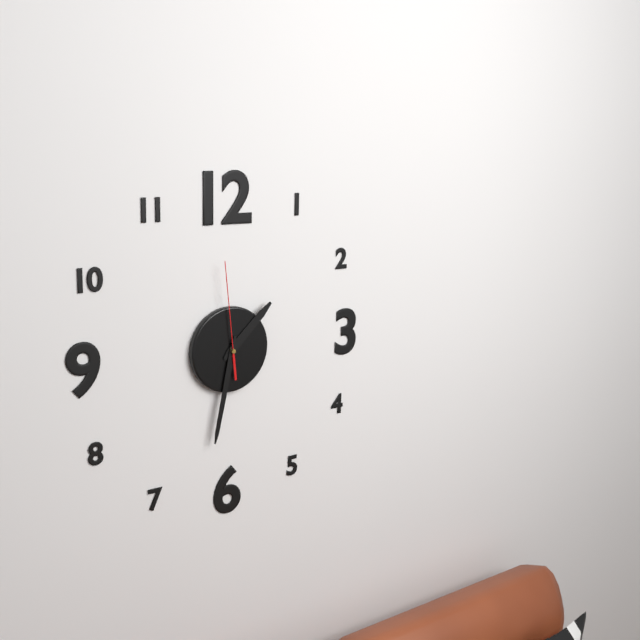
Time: h=1 m=32 s=59
